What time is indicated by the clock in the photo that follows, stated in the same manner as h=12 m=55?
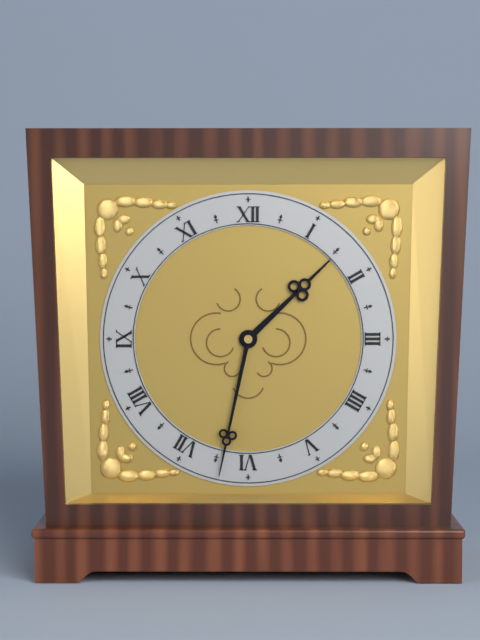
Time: h=1 m=32
